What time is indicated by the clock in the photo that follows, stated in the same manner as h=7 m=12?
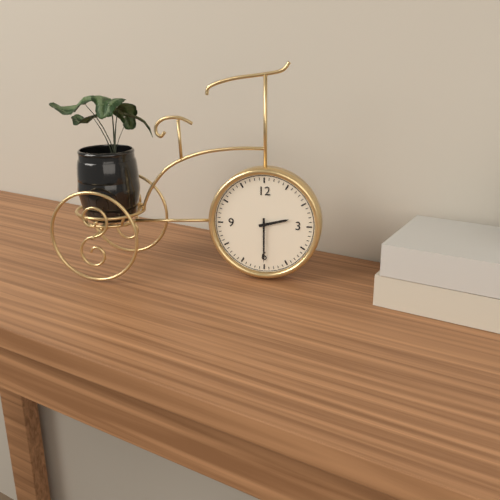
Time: h=2 m=30
